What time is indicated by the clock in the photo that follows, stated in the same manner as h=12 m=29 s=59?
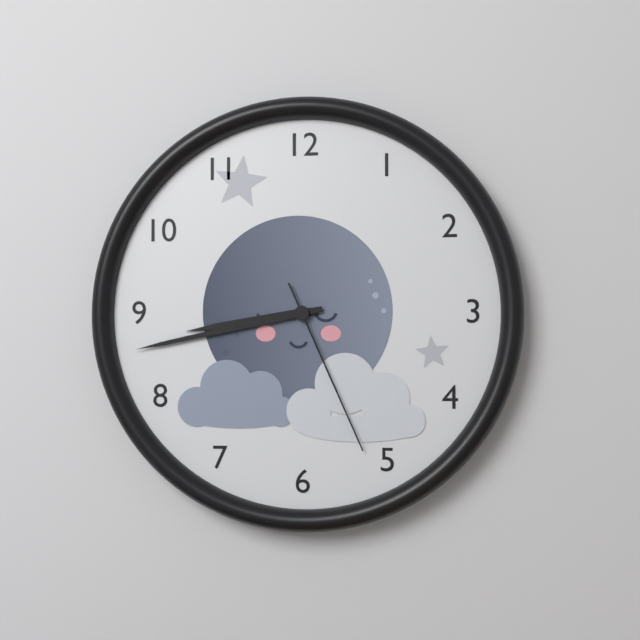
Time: h=8 m=43 s=26
